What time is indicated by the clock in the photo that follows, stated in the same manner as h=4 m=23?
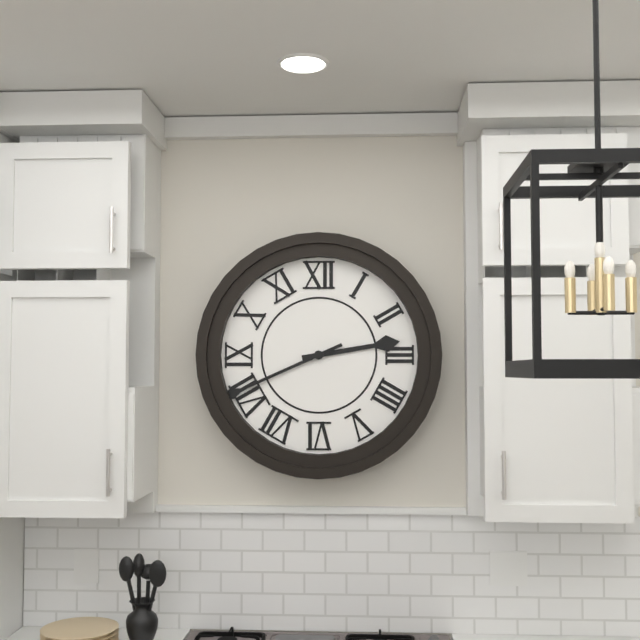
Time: h=2 m=41
